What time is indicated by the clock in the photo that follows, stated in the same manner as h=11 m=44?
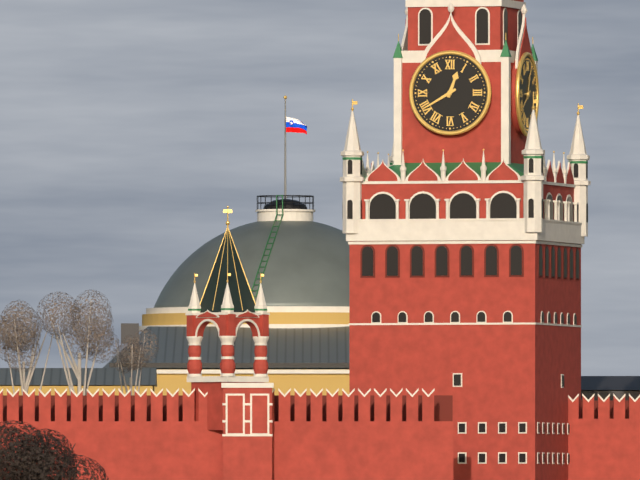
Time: h=12 m=40
